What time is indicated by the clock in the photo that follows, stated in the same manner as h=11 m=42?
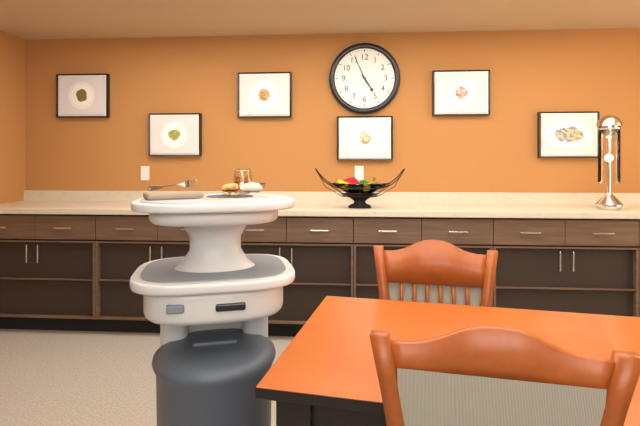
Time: h=4 m=56
